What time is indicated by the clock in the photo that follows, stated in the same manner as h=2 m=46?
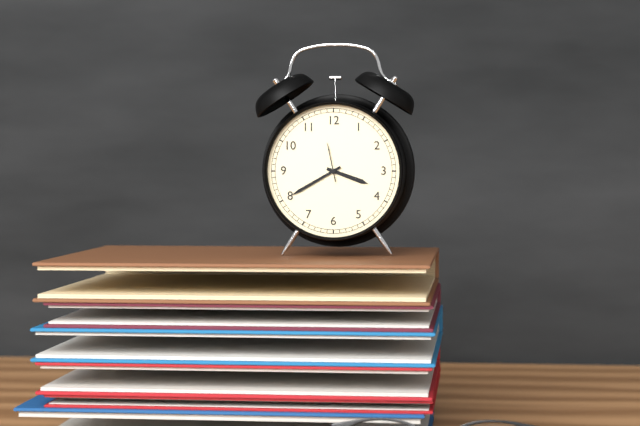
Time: h=3 m=40
